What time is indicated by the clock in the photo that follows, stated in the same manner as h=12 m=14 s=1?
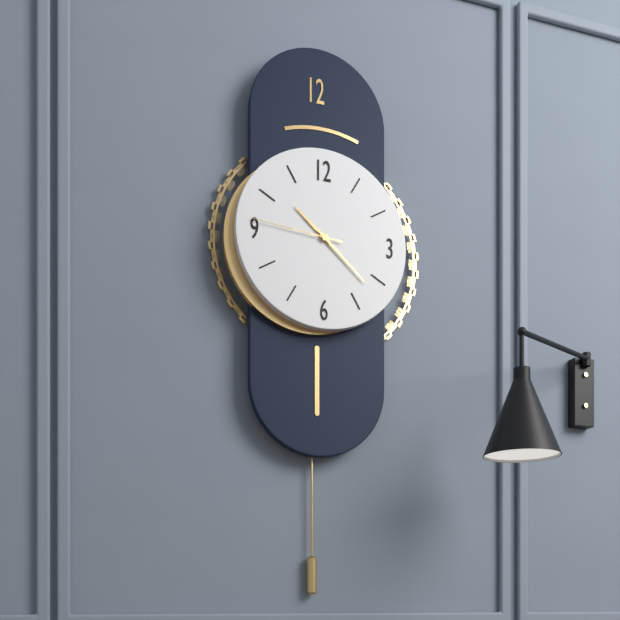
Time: h=10 m=22 s=46
